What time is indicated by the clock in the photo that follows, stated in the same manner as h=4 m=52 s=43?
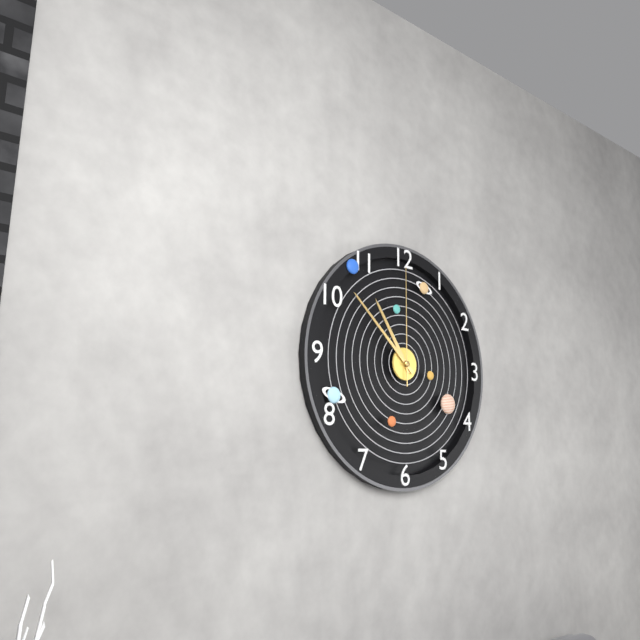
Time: h=10 m=52 s=0
